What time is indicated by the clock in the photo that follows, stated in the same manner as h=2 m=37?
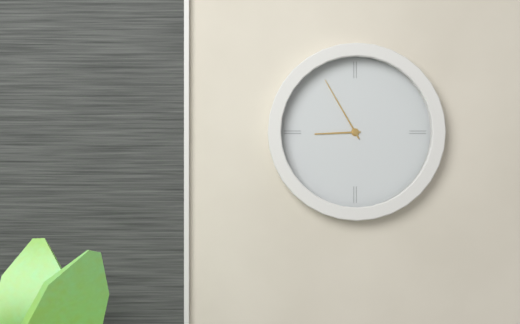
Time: h=8 m=55
